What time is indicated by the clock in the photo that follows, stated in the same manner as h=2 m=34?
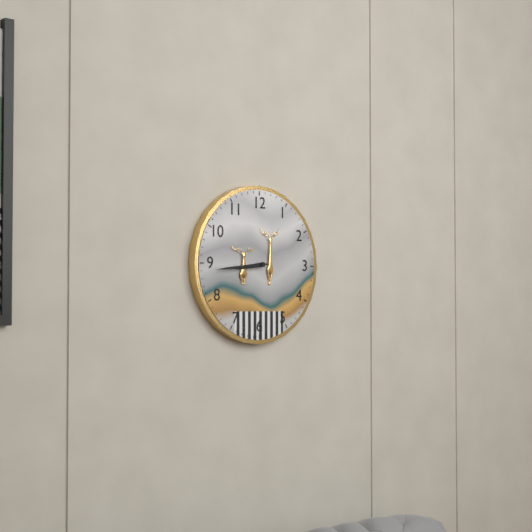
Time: h=8 m=44
